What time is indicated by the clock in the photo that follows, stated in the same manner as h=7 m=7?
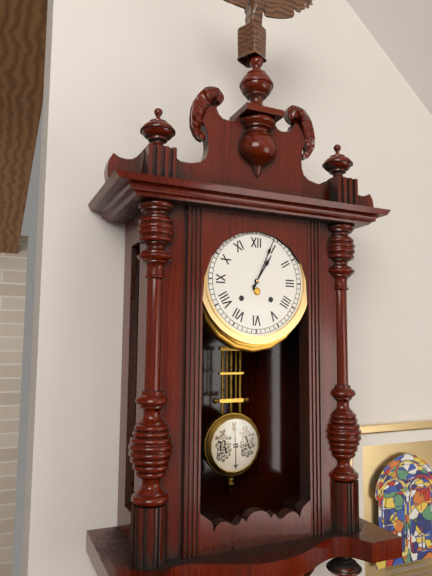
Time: h=1 m=4
